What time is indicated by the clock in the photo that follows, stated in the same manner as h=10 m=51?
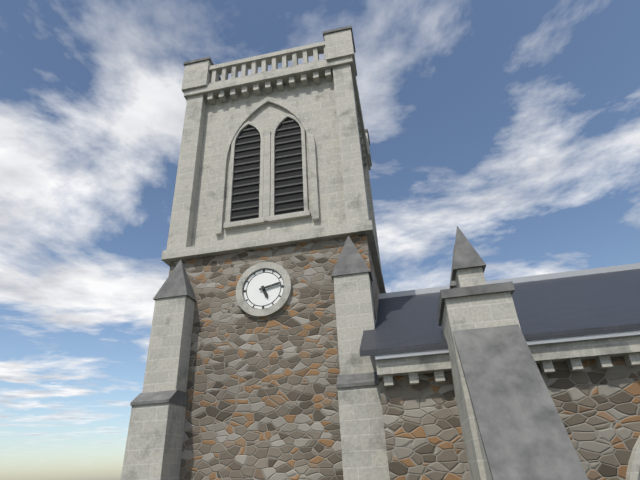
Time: h=5 m=13
